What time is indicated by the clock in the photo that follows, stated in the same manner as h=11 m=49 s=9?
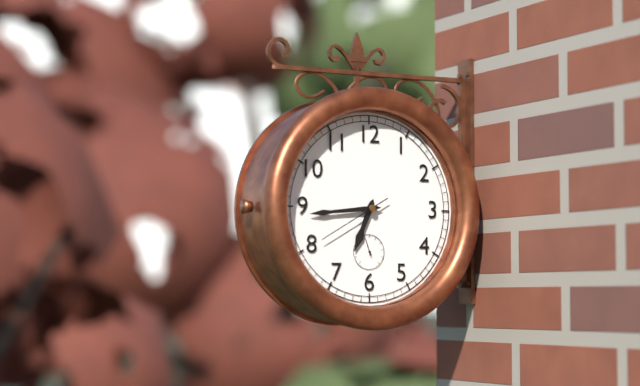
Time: h=6 m=44 s=40
